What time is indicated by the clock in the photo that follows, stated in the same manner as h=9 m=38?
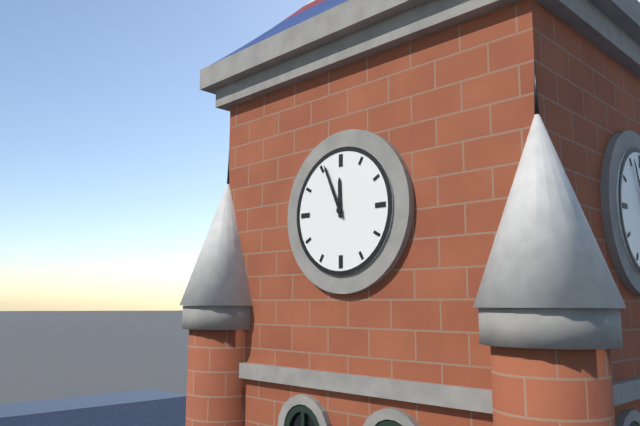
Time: h=11 m=56
